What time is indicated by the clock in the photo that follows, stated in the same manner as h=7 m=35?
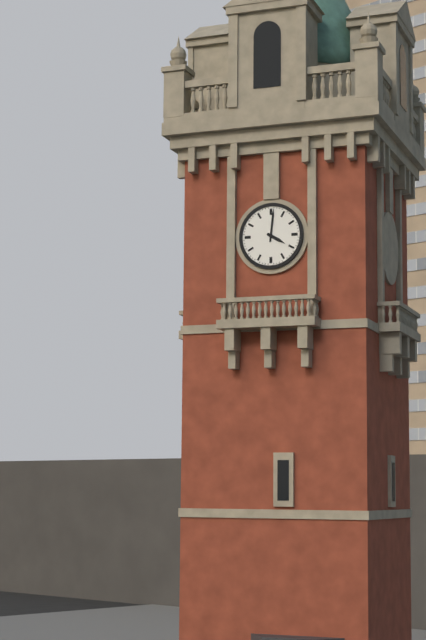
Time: h=4 m=1
